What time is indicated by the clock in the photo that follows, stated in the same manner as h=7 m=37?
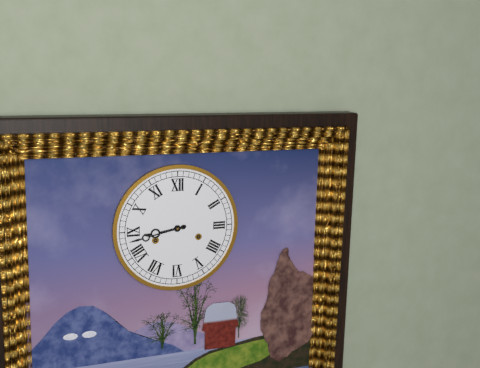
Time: h=8 m=43
